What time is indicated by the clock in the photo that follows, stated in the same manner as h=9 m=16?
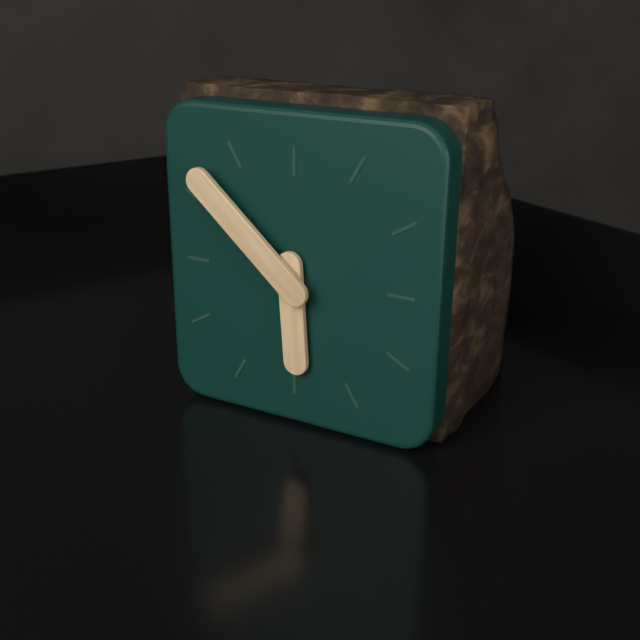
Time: h=5 m=52
